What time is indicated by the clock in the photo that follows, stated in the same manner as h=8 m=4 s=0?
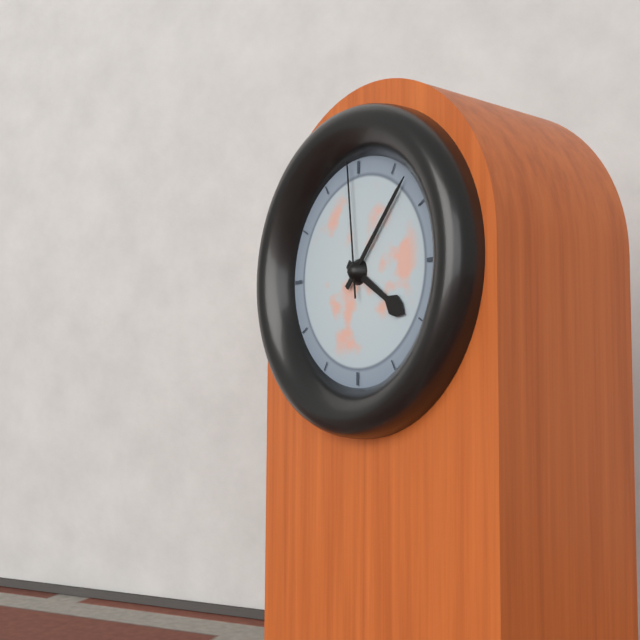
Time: h=4 m=7 s=59
